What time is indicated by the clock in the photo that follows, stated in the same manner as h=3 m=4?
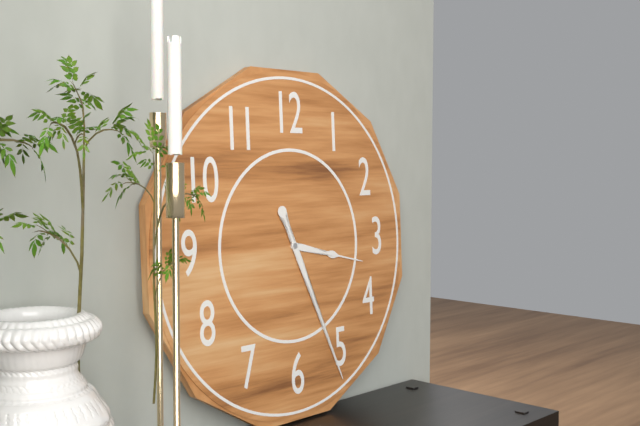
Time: h=3 m=26
